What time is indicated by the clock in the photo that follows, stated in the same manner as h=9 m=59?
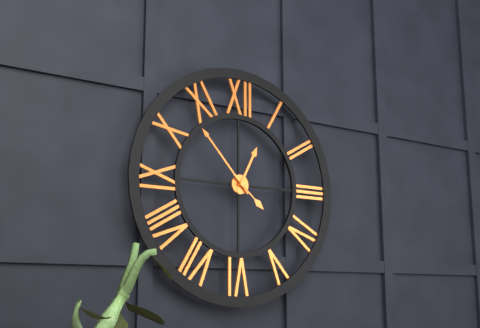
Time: h=12 m=53
